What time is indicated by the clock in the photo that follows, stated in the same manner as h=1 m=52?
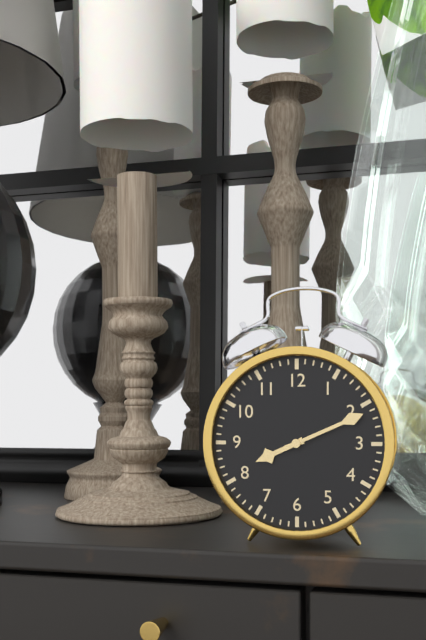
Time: h=8 m=11
